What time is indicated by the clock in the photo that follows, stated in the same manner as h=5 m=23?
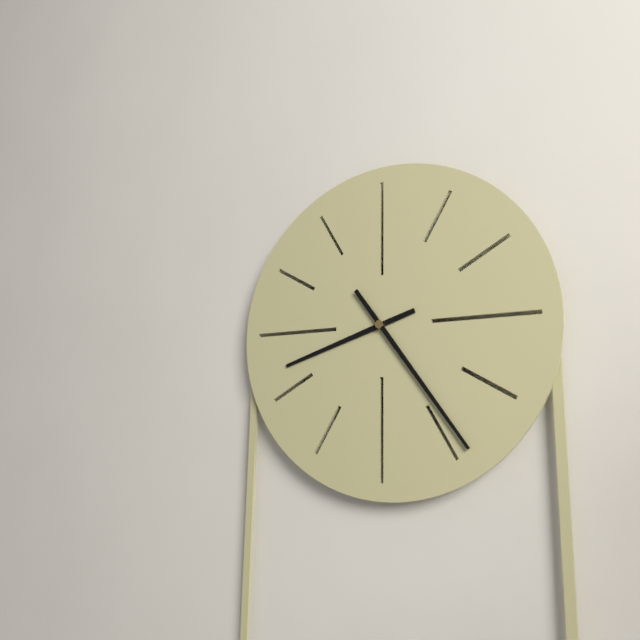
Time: h=8 m=24
